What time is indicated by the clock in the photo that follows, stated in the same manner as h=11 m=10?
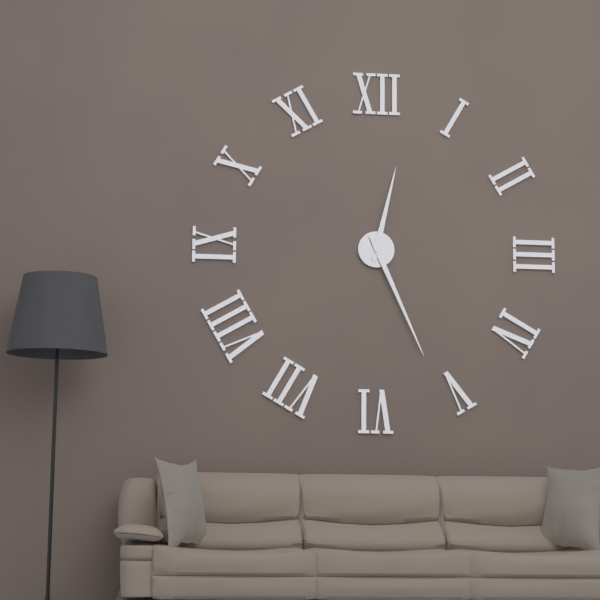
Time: h=12 m=26
